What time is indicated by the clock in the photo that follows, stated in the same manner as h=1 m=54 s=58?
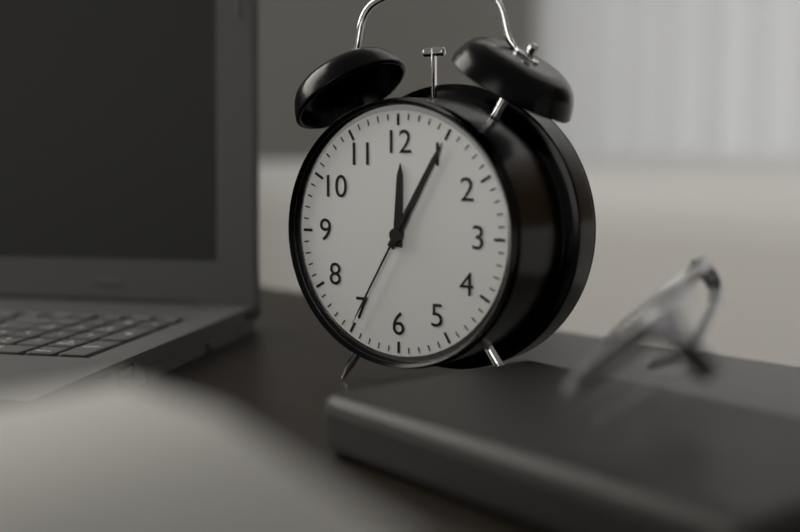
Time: h=12 m=5 s=35
